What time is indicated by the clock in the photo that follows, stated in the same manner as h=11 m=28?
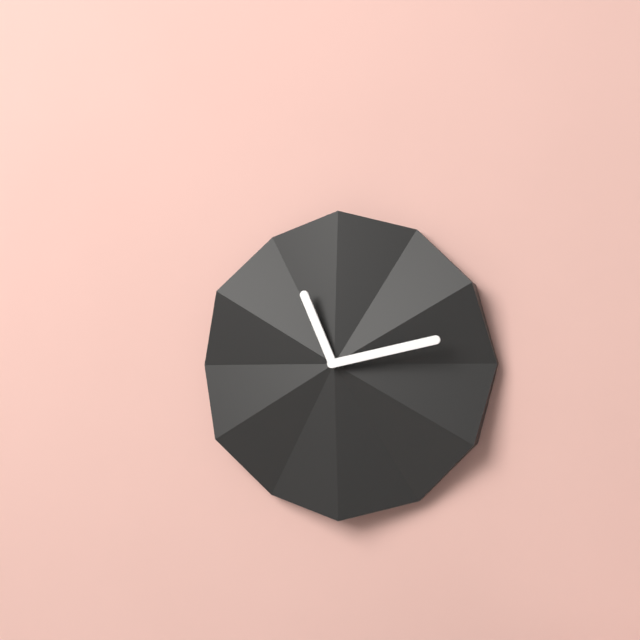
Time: h=11 m=13
